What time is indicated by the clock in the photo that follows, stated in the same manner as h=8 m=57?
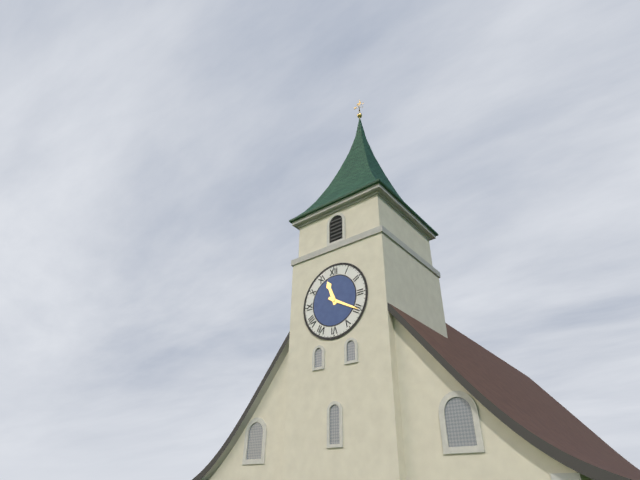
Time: h=11 m=20
